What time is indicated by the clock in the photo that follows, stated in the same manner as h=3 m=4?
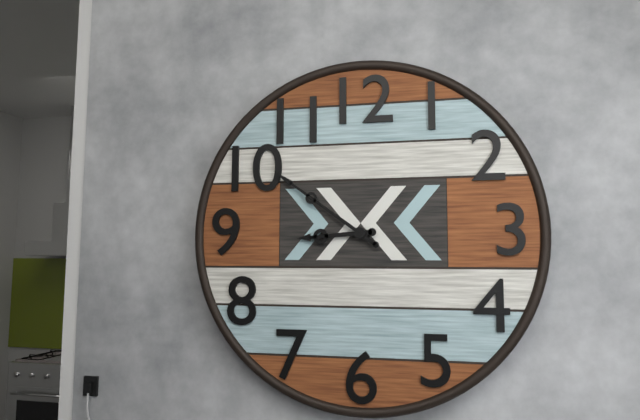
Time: h=8 m=51
